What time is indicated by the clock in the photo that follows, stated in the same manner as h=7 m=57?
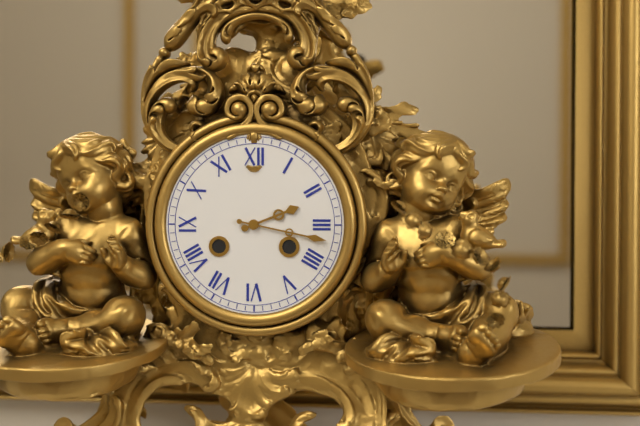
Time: h=2 m=17
